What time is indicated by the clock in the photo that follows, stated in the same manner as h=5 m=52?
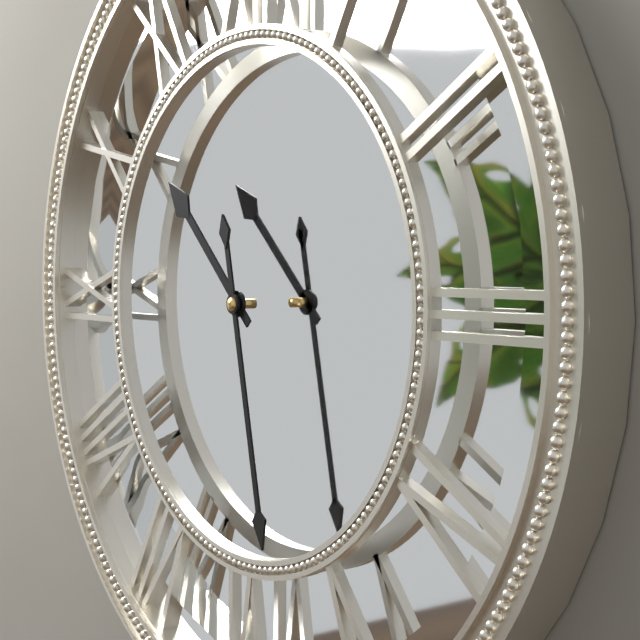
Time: h=10 m=28
